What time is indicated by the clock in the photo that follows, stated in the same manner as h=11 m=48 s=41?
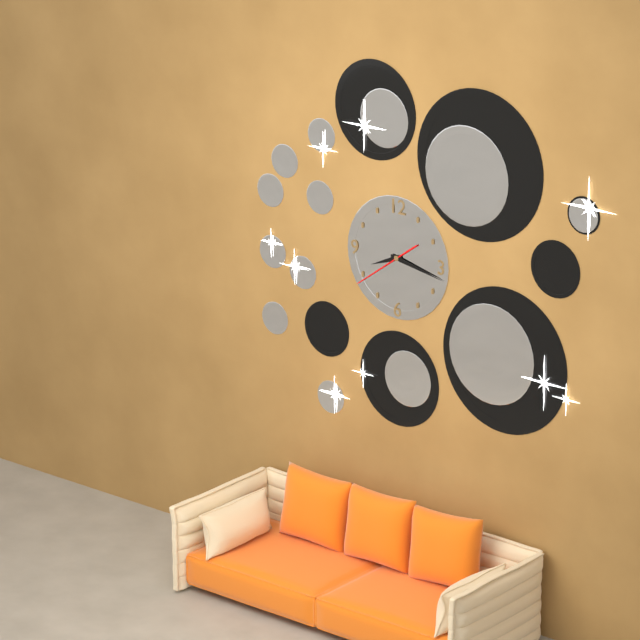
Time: h=8 m=17 s=39
